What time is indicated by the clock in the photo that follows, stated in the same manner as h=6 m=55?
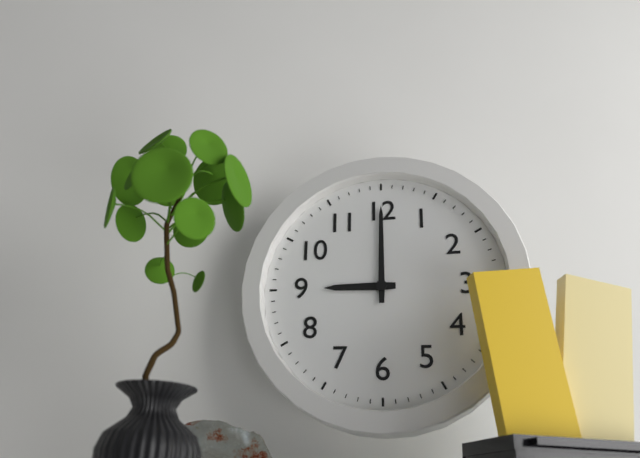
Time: h=9 m=0
